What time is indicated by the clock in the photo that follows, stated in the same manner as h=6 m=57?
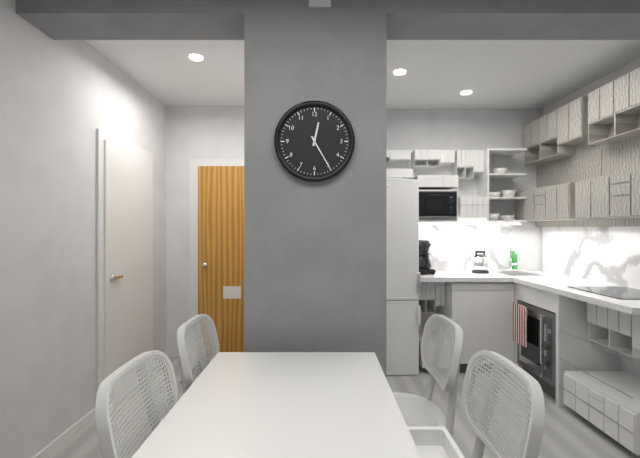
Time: h=12 m=25
